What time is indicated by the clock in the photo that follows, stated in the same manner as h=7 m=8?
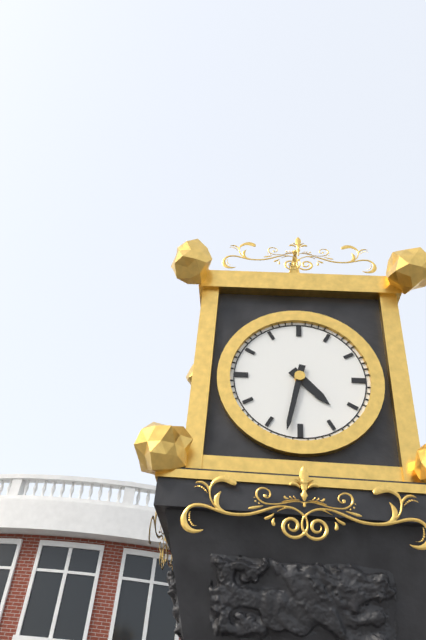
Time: h=4 m=32
